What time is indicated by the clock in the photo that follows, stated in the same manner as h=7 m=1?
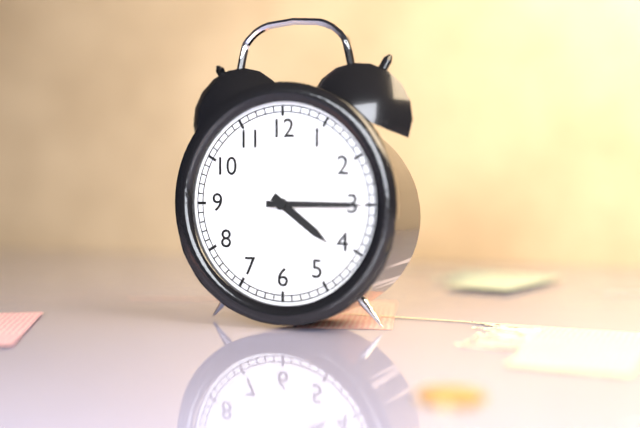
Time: h=4 m=15
